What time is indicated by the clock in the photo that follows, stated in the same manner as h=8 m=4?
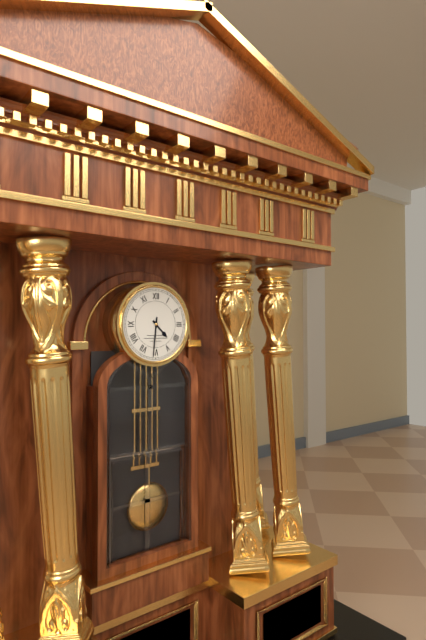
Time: h=4 m=31
